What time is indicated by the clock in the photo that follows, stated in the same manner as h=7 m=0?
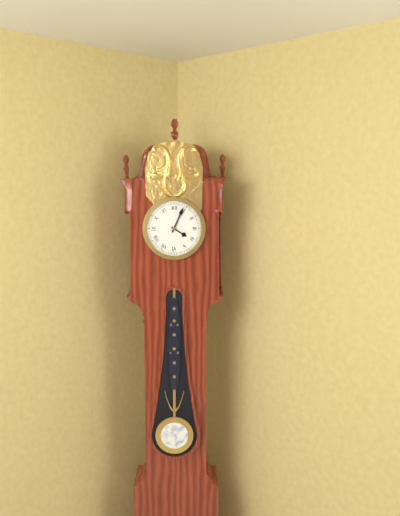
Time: h=4 m=4
